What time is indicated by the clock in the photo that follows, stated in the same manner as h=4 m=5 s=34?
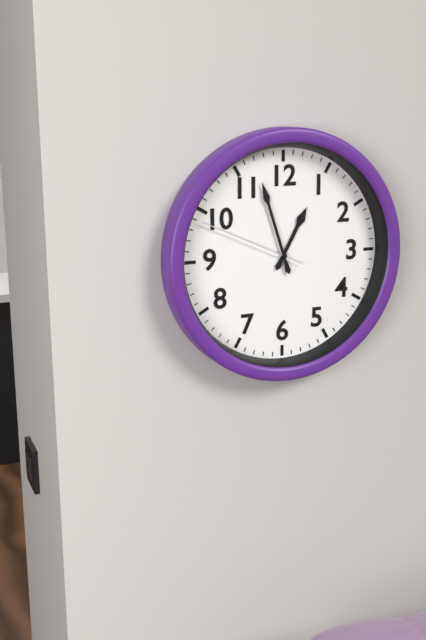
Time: h=12 m=57 s=49
